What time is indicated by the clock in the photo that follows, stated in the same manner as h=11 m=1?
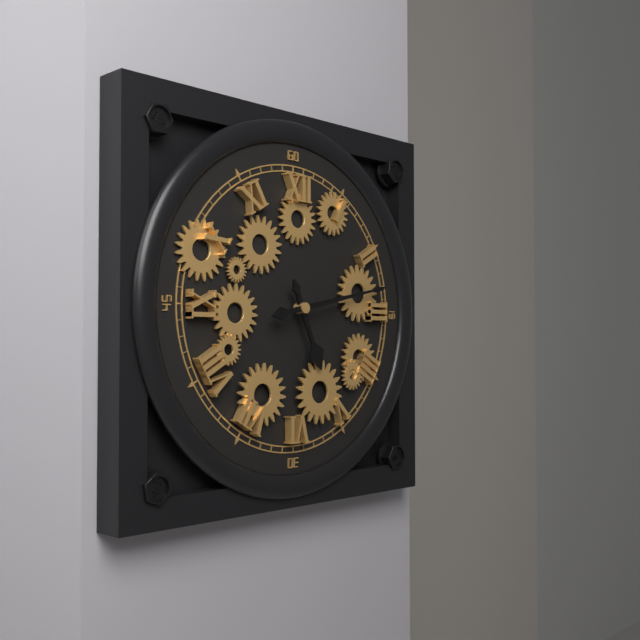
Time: h=5 m=13
